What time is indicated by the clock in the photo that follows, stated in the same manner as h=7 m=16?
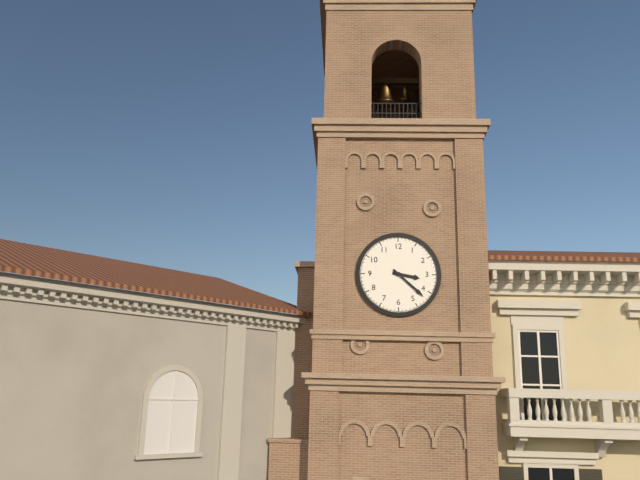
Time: h=3 m=22
